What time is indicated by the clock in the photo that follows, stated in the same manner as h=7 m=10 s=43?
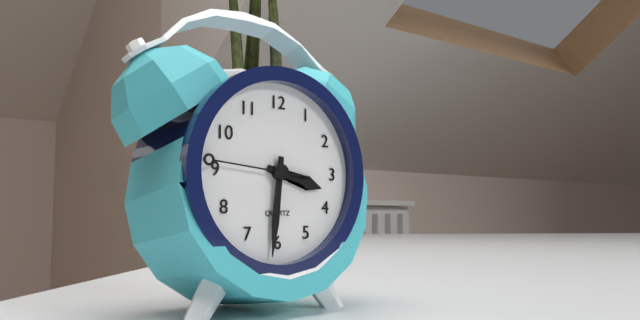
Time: h=3 m=31 s=46
